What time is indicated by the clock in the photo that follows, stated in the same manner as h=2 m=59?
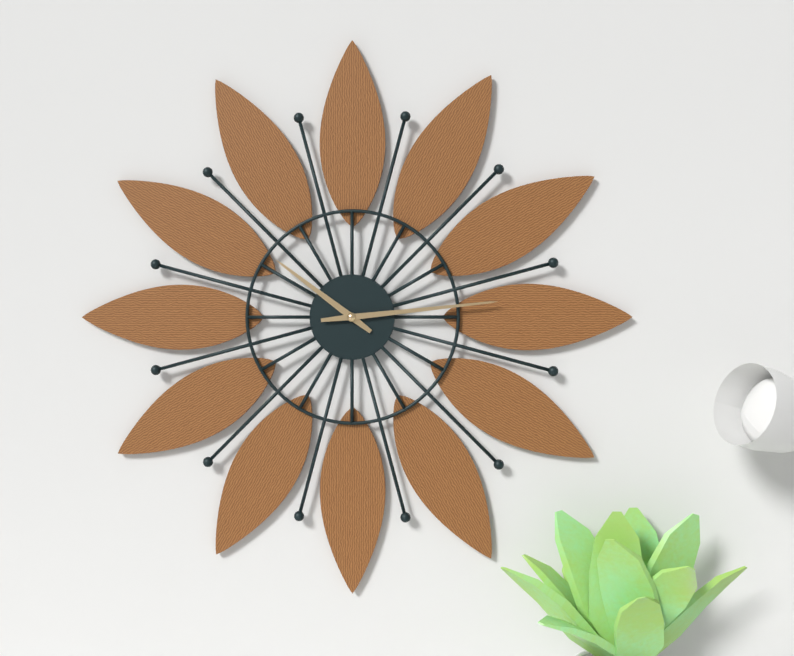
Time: h=10 m=14
